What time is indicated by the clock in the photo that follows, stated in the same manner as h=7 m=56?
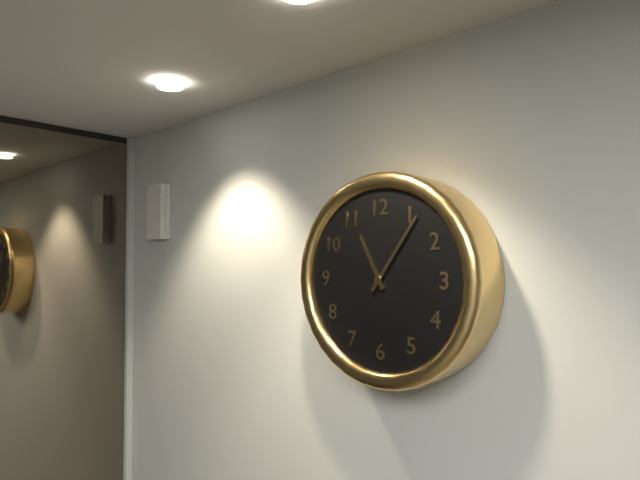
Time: h=11 m=6
